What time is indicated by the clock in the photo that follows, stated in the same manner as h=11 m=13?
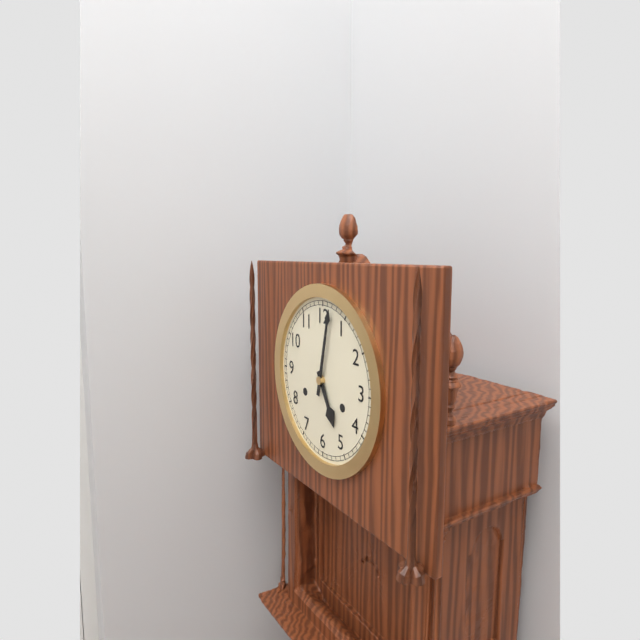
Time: h=5 m=2
